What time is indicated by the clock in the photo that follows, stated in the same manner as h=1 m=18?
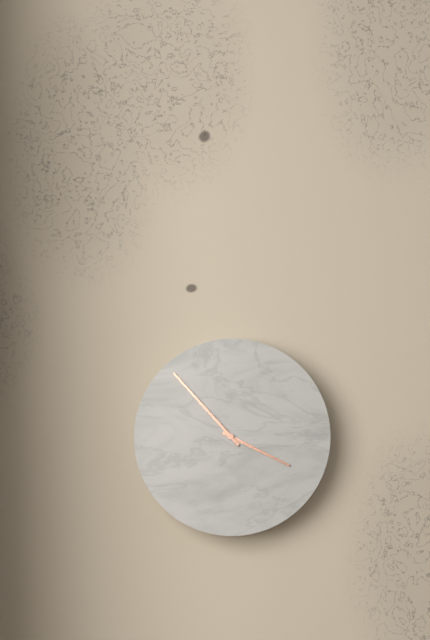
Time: h=3 m=53
